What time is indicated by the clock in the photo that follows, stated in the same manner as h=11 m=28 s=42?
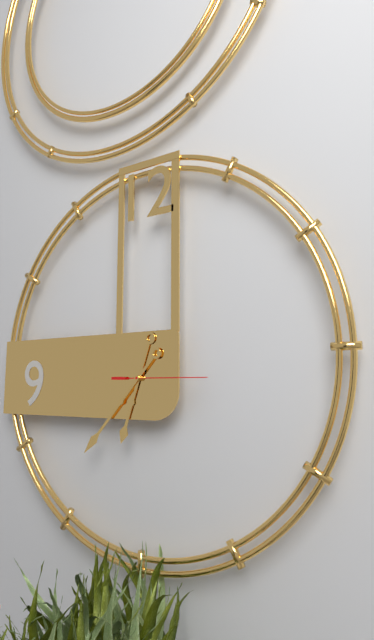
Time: h=6 m=37 s=15
